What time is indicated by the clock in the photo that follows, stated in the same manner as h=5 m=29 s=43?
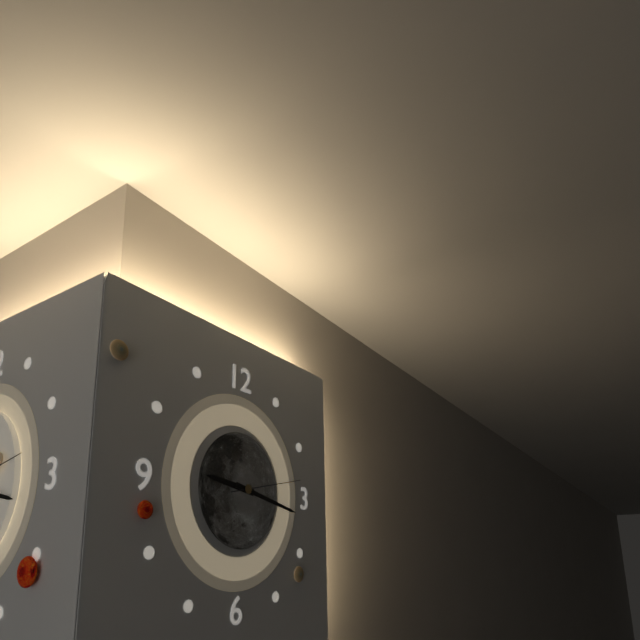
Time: h=9 m=17 s=13
